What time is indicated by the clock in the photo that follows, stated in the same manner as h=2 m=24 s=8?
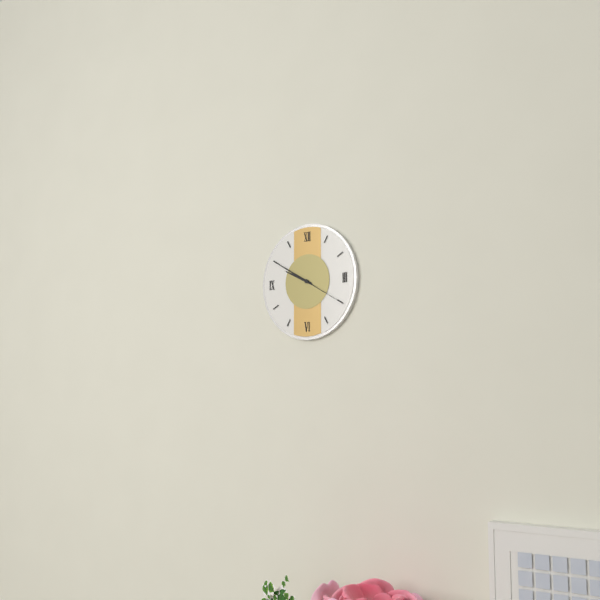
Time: h=9 m=50 s=20
